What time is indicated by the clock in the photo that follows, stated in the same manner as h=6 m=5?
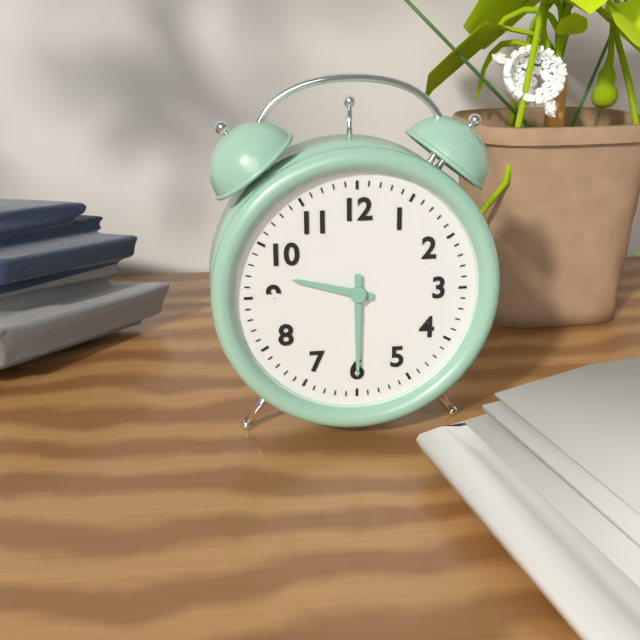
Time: h=9 m=30
